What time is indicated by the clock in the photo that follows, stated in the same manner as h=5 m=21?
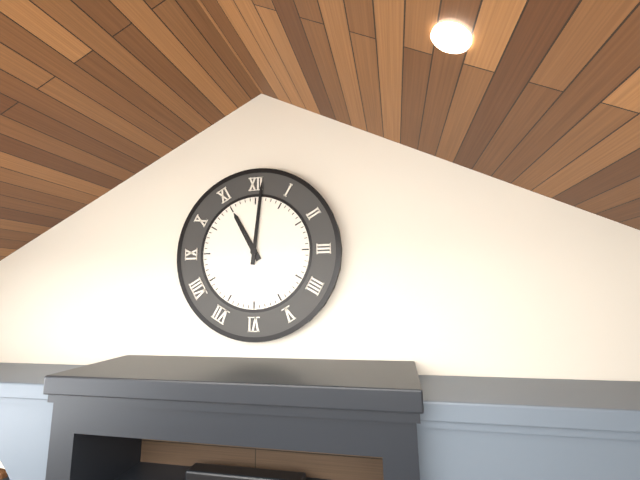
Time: h=11 m=1
